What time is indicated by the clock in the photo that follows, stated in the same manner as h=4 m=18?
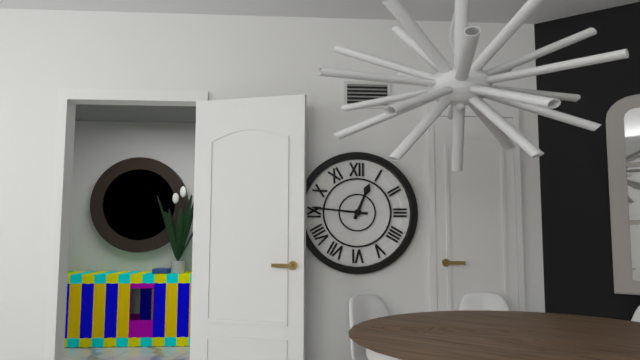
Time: h=12 m=46
